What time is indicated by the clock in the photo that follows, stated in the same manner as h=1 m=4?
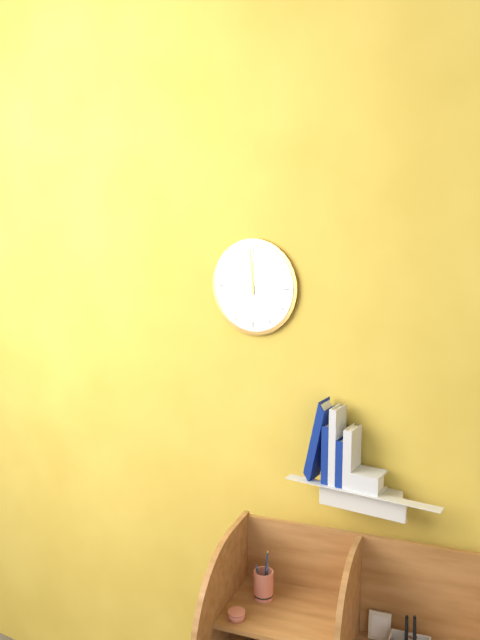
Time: h=11 m=59
